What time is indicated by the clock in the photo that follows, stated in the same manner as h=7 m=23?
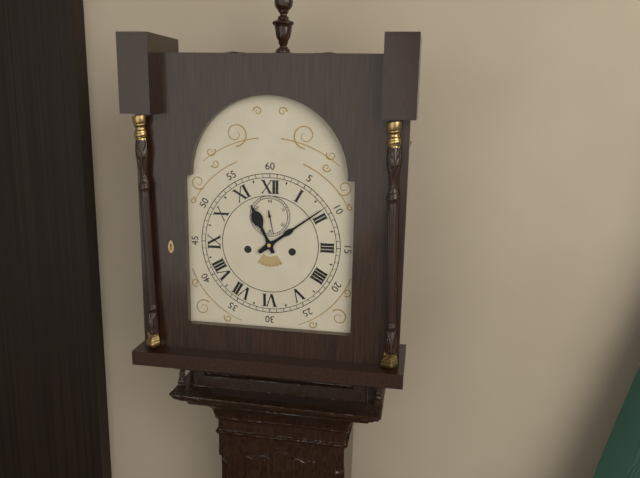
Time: h=11 m=9
